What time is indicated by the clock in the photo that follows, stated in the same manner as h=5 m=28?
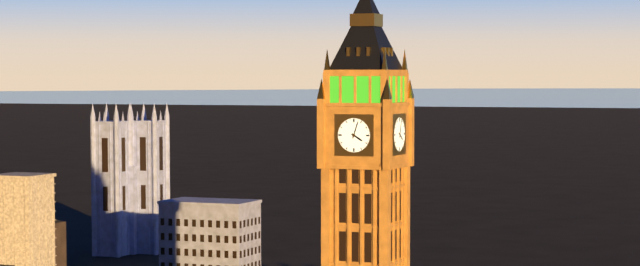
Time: h=4 m=3
